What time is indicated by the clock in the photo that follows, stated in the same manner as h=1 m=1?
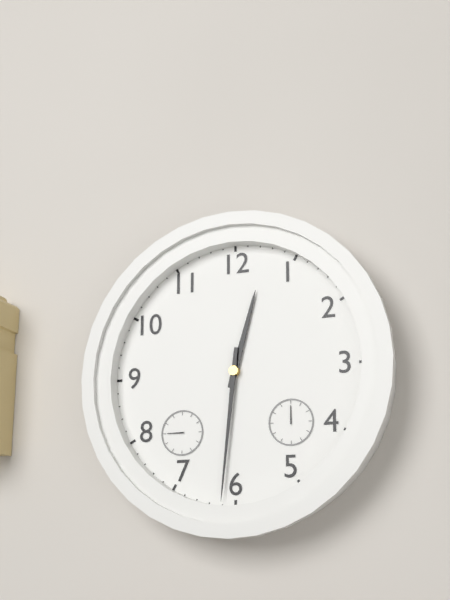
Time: h=12 m=31
